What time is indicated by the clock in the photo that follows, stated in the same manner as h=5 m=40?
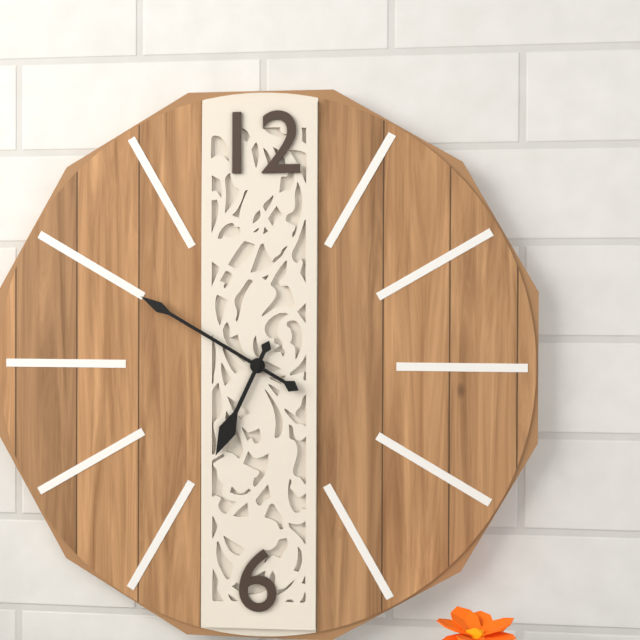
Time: h=6 m=50
